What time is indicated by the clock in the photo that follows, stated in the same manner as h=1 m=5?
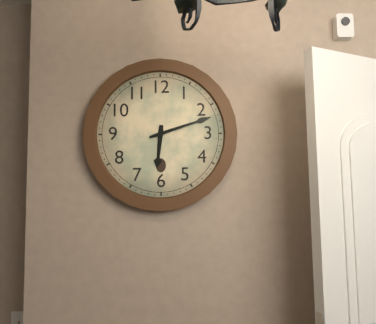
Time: h=6 m=12
